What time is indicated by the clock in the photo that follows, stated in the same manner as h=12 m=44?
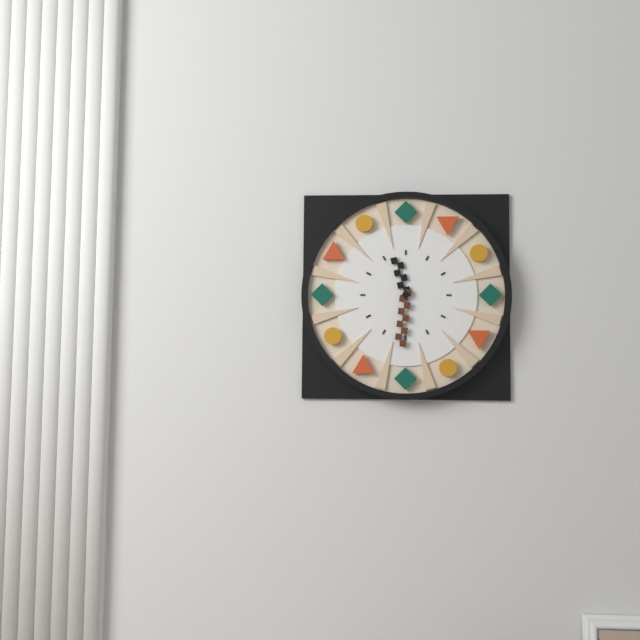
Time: h=11 m=31
